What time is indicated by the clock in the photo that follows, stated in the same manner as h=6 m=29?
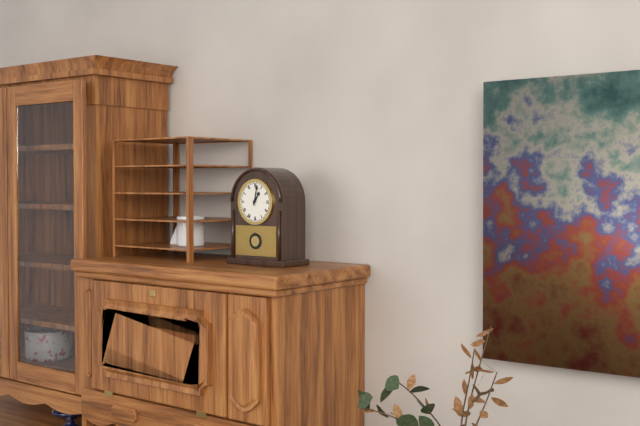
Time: h=1 m=2
